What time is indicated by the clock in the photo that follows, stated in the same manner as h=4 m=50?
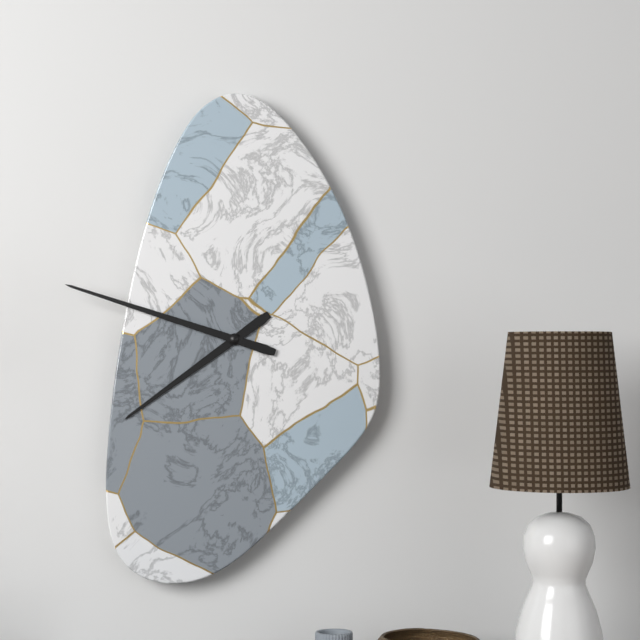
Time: h=7 m=48
